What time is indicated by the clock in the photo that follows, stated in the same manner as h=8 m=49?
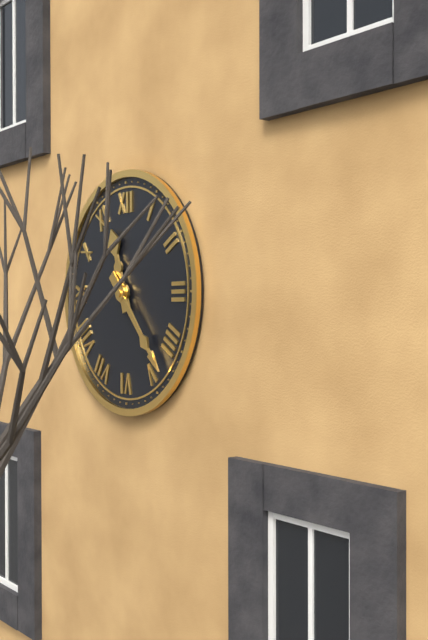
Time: h=11 m=23
